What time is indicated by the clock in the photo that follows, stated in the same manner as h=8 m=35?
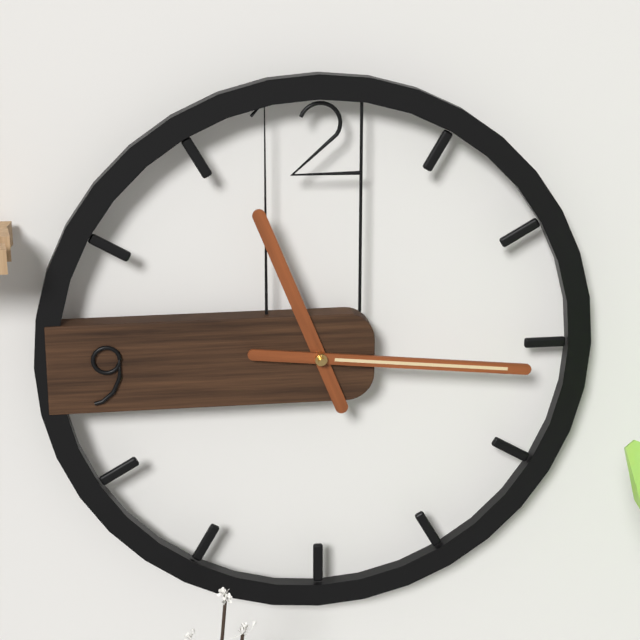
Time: h=11 m=16
